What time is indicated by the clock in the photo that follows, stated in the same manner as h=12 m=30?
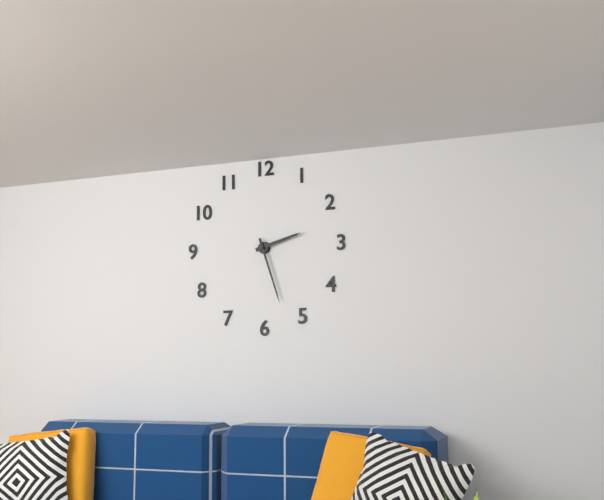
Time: h=2 m=27
